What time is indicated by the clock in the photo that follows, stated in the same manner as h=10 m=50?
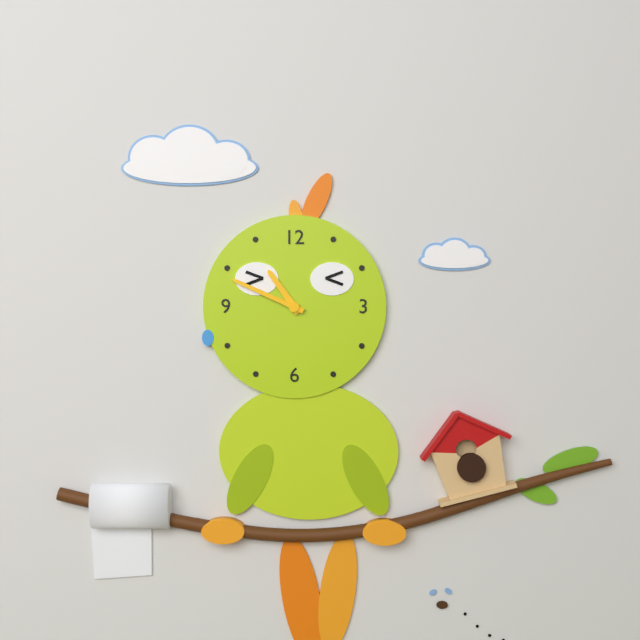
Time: h=10 m=49
